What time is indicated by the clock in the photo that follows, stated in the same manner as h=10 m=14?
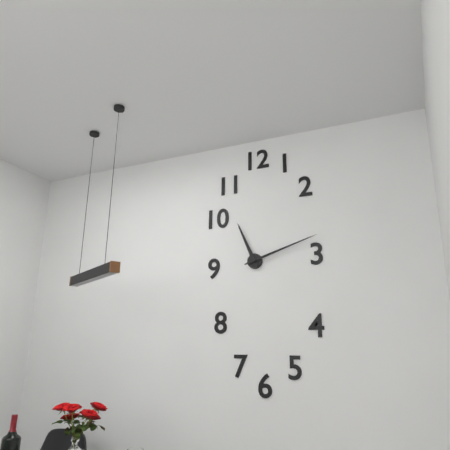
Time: h=11 m=12
